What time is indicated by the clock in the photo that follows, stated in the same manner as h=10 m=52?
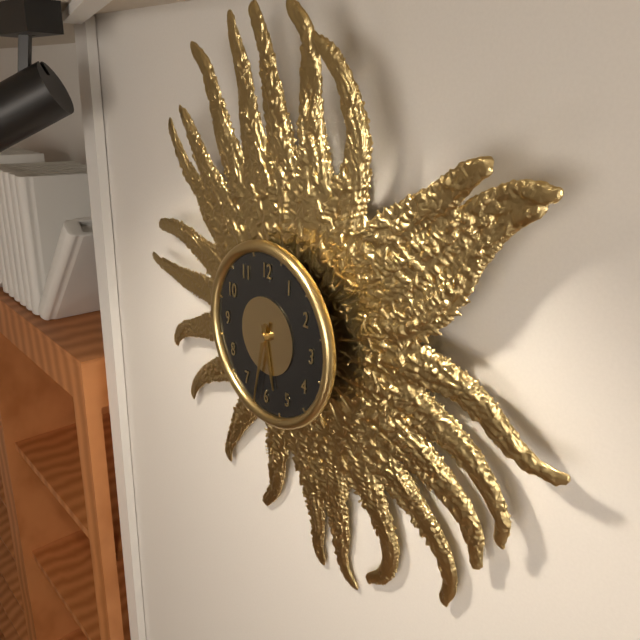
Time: h=5 m=32
